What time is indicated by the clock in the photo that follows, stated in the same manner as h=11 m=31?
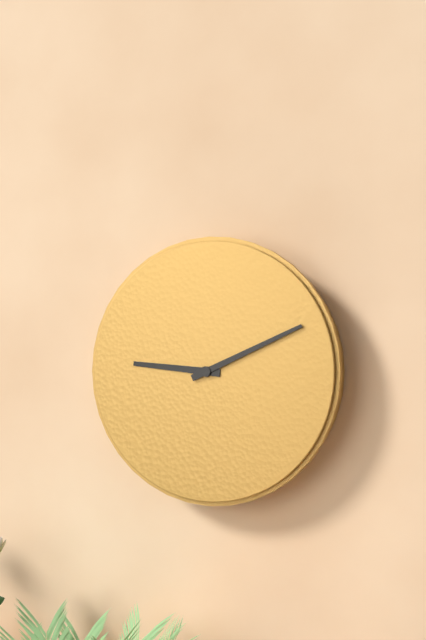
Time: h=9 m=11
